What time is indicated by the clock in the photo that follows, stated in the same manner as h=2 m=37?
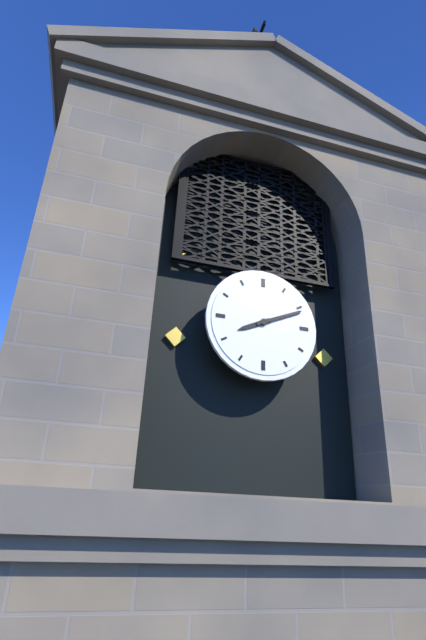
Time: h=8 m=11
